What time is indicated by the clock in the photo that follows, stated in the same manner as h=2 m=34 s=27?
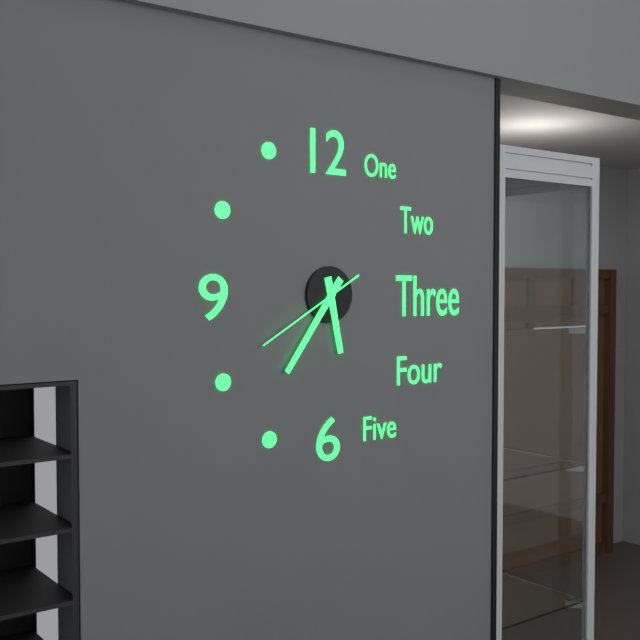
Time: h=5 m=36 s=40
